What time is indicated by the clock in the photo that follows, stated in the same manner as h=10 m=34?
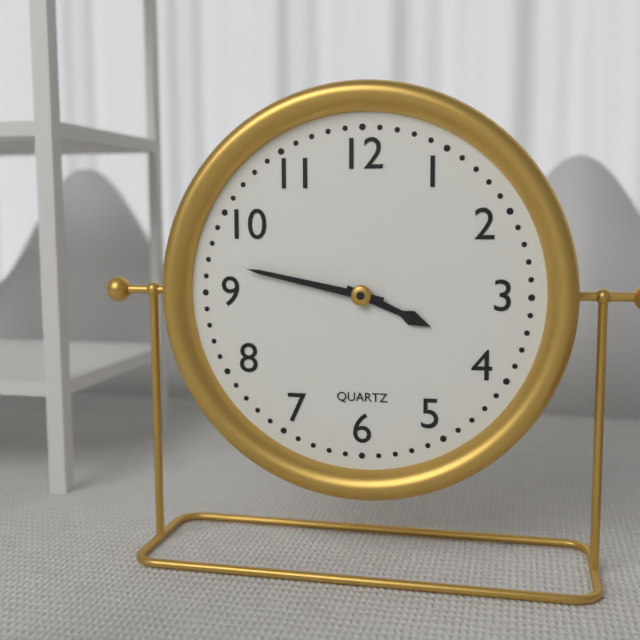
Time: h=3 m=47
